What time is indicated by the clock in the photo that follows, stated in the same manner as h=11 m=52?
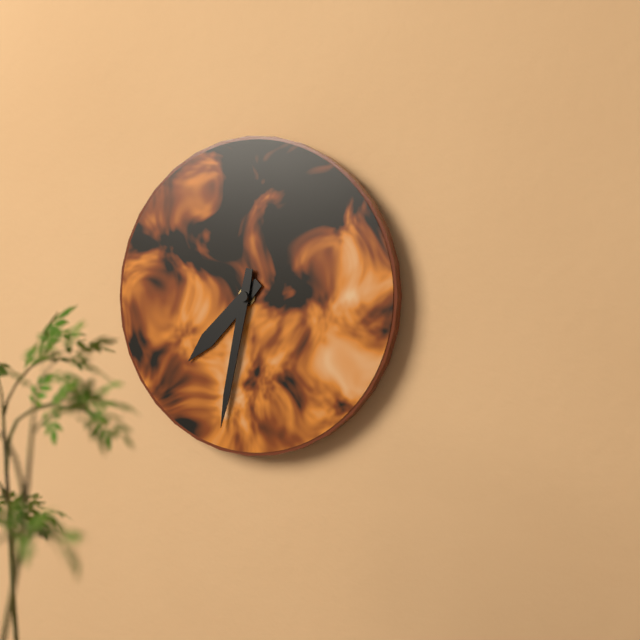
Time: h=7 m=32
